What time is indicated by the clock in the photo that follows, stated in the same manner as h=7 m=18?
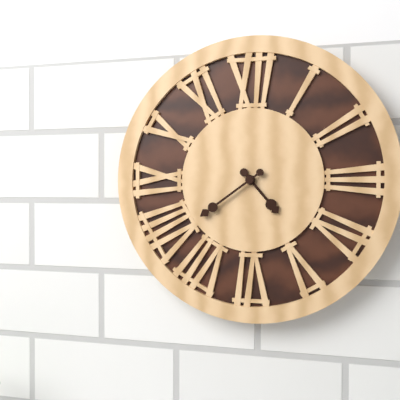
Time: h=4 m=39
